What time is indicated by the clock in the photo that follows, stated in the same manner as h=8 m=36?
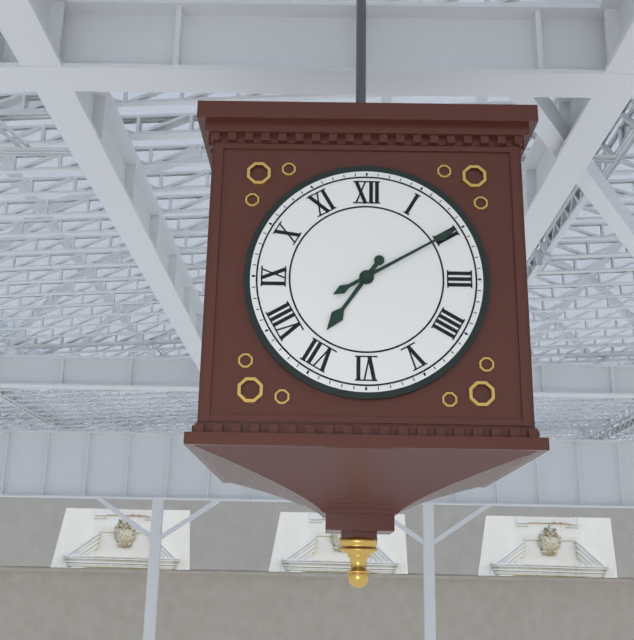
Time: h=7 m=10
